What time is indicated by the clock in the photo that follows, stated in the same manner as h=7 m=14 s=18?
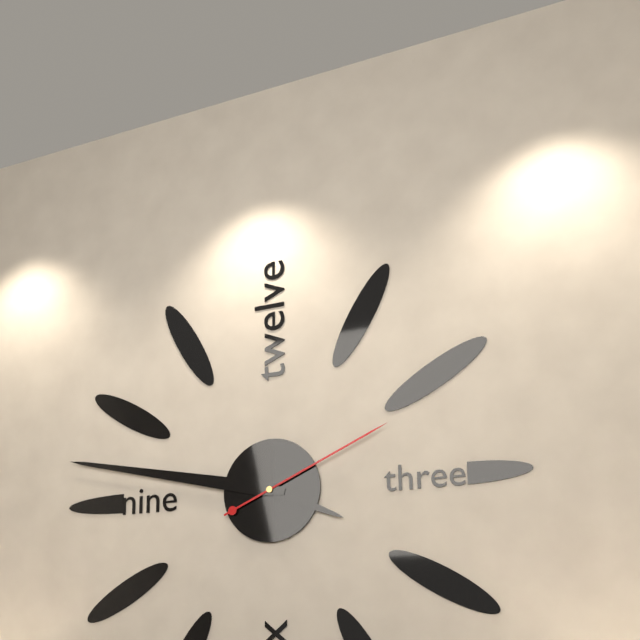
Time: h=3 m=47 s=11
